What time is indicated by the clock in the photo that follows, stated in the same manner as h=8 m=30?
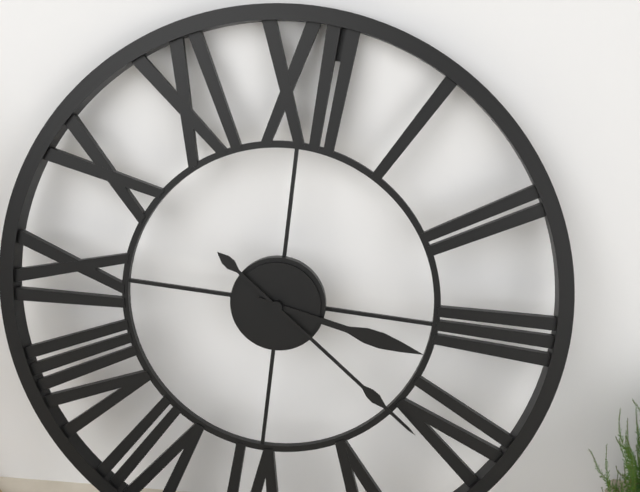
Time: h=3 m=21
